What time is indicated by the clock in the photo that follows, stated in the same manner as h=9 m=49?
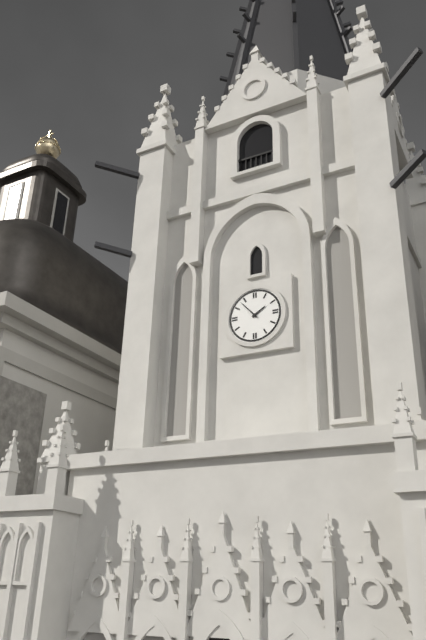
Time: h=1 m=53
